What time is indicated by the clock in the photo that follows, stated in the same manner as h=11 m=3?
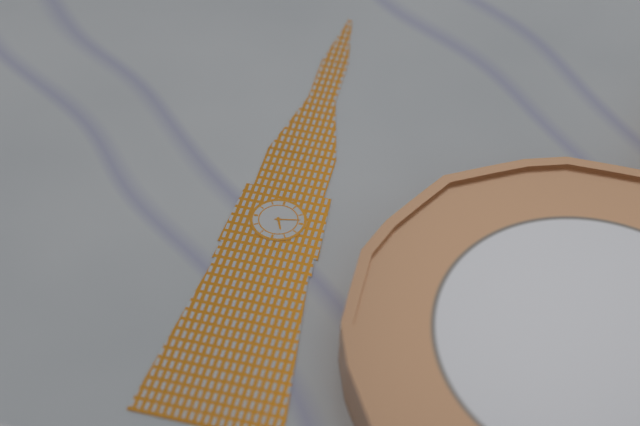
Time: h=5 m=13
